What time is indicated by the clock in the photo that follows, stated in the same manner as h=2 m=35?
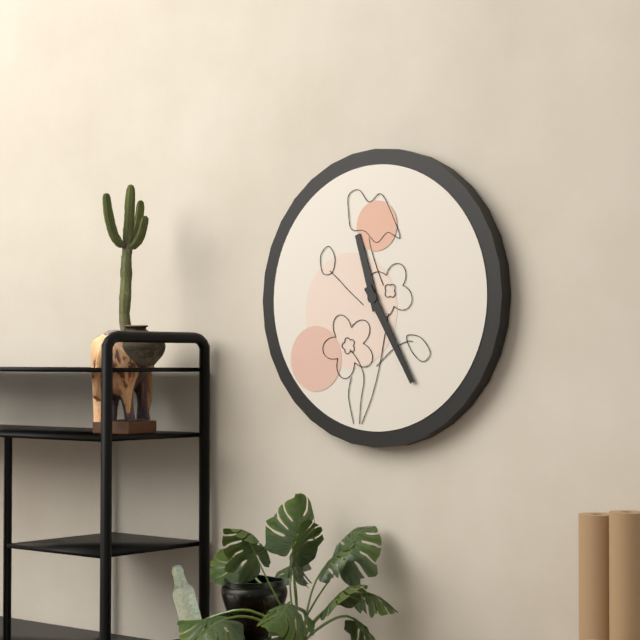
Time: h=11 m=25
